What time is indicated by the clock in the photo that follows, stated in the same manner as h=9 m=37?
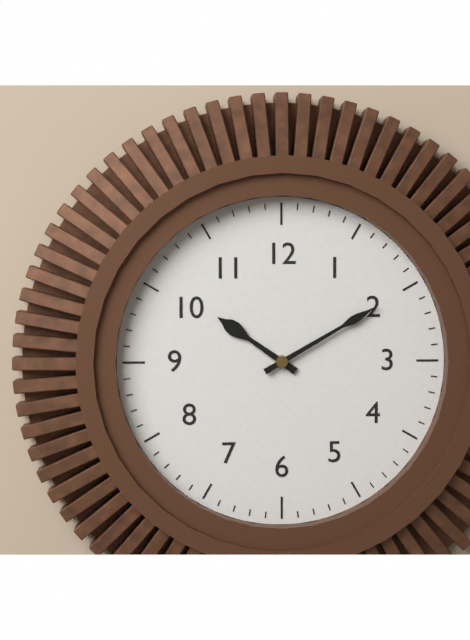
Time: h=10 m=10
